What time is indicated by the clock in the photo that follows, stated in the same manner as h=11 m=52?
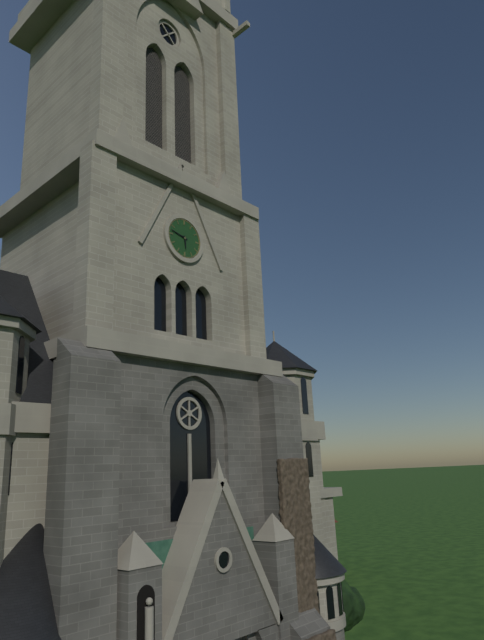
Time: h=5 m=47
